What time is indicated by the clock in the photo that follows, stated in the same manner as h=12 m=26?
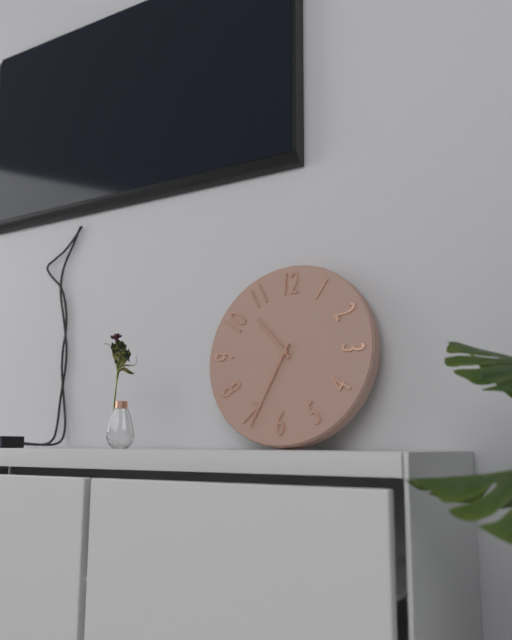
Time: h=10 m=34
